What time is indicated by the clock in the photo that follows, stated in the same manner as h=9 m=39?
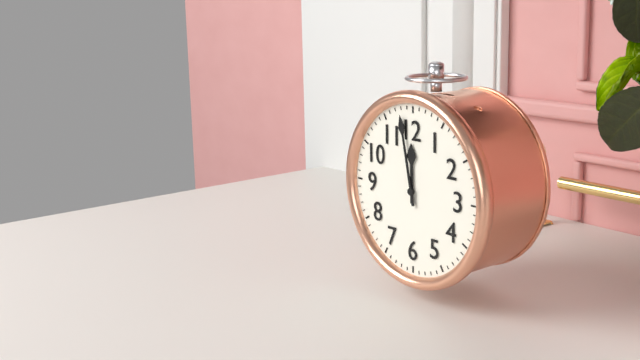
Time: h=11 m=58
